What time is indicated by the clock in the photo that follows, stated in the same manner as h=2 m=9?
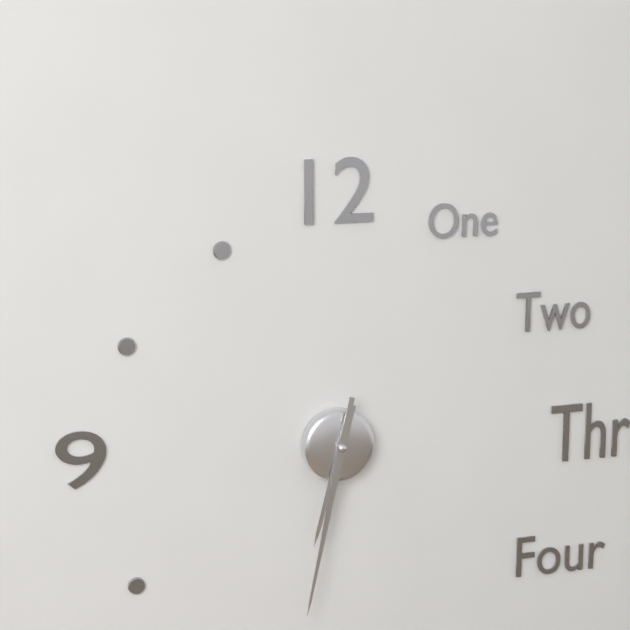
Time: h=6 m=32
